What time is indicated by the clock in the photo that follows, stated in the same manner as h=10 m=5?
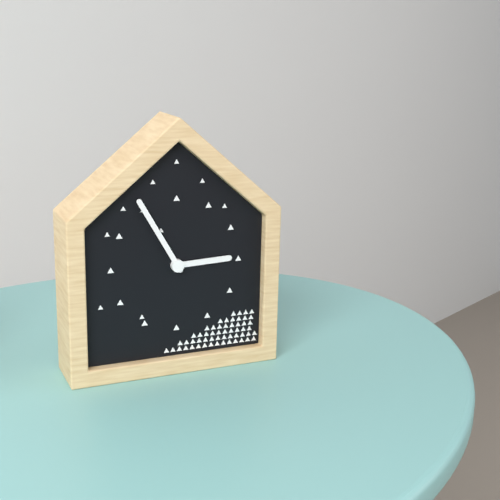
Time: h=2 m=55
